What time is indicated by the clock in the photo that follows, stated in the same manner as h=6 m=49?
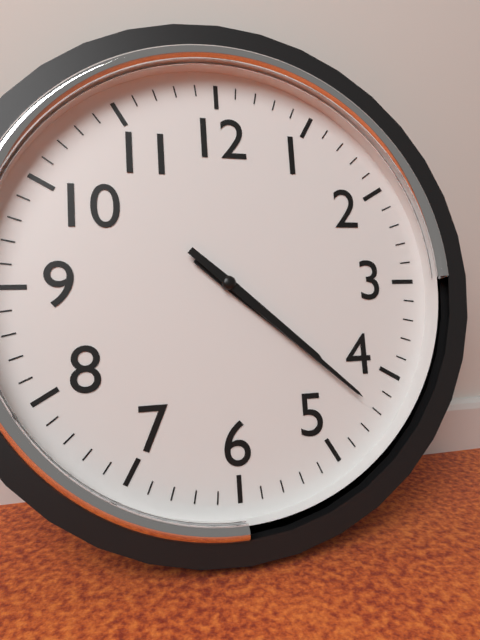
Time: h=4 m=22
